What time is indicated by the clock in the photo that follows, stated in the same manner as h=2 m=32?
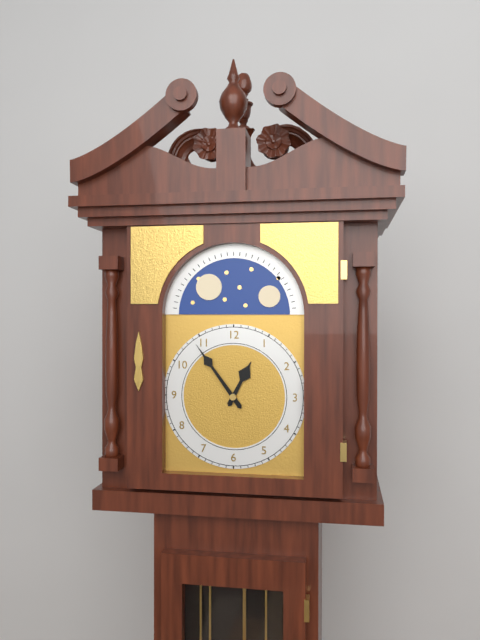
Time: h=12 m=54
